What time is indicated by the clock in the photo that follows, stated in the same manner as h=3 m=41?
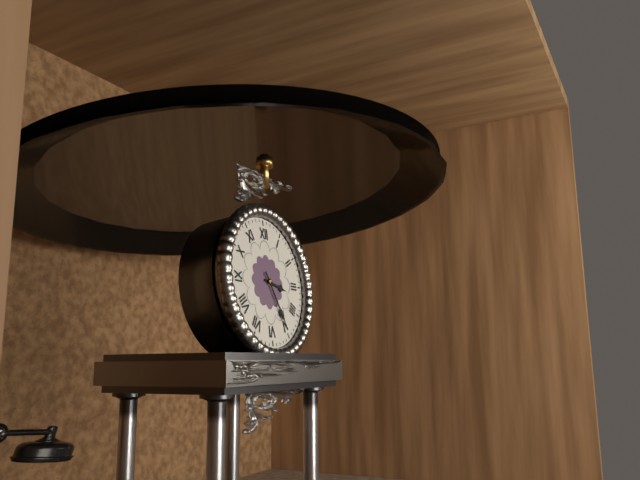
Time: h=3 m=25
